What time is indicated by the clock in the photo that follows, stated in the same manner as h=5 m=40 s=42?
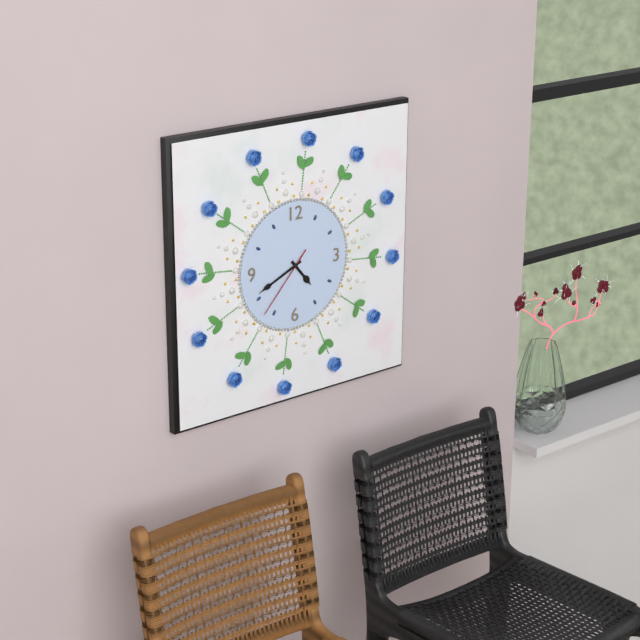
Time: h=4 m=41 s=37
